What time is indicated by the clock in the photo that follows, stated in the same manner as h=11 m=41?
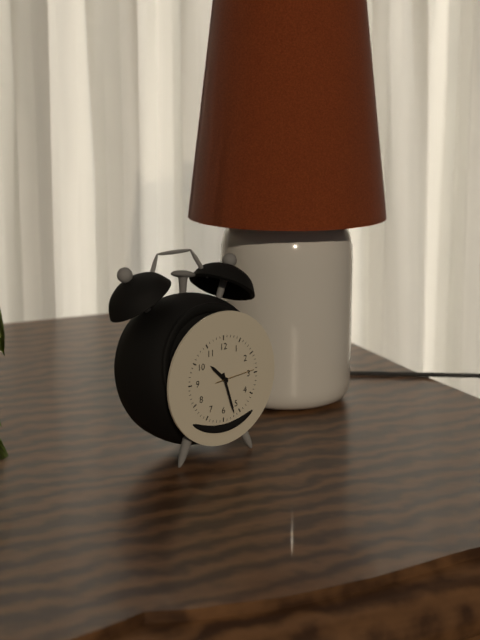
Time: h=10 m=27
